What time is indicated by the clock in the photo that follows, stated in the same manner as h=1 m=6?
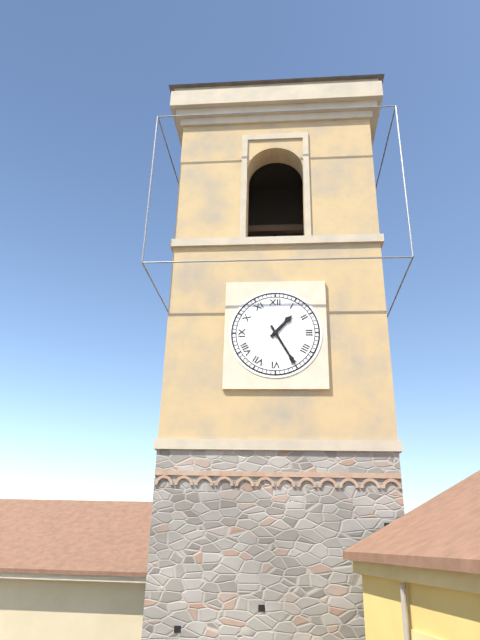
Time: h=1 m=25
